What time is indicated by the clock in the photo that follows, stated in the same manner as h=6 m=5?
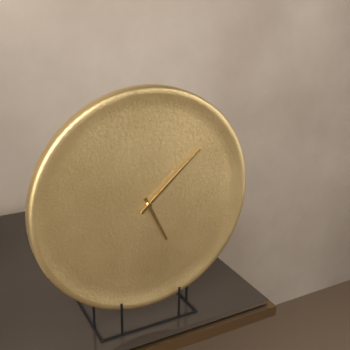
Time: h=5 m=8
